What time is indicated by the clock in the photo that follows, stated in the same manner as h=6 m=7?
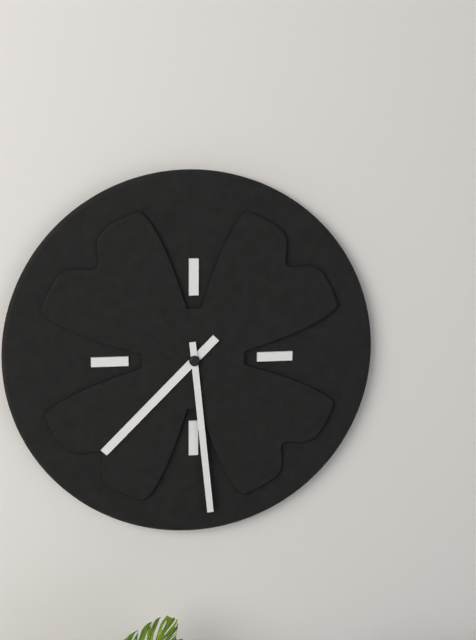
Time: h=7 m=29
